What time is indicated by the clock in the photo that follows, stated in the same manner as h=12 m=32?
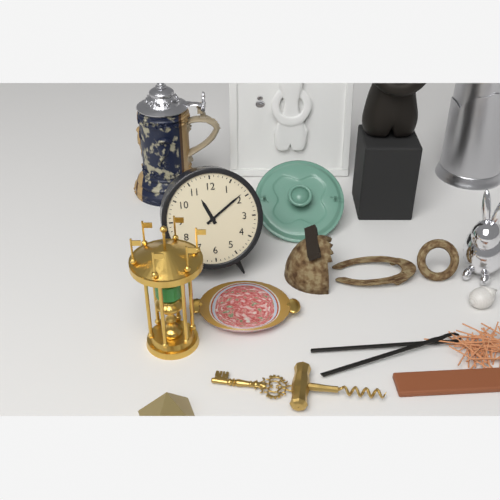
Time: h=11 m=9
